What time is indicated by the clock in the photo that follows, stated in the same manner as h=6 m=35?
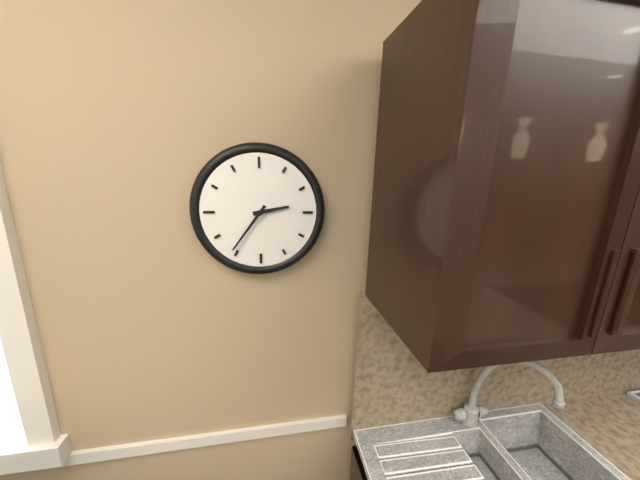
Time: h=2 m=36
